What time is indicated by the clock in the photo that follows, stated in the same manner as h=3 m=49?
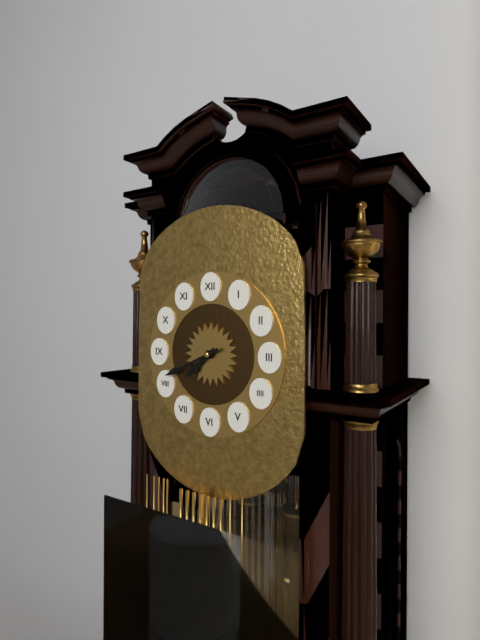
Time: h=7 m=41
